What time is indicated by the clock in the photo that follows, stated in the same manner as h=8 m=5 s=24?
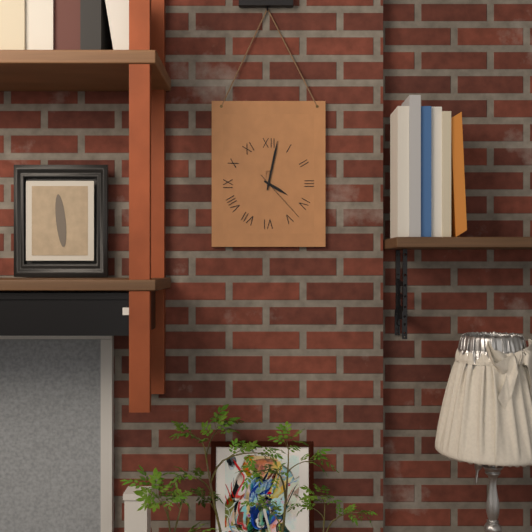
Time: h=4 m=2 s=23
